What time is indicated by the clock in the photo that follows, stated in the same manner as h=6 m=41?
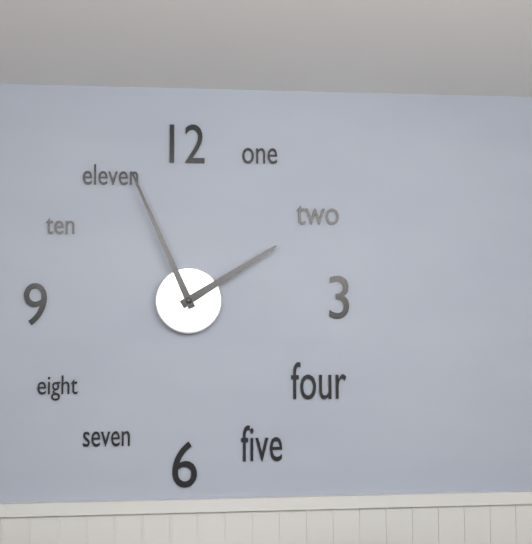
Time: h=1 m=56
